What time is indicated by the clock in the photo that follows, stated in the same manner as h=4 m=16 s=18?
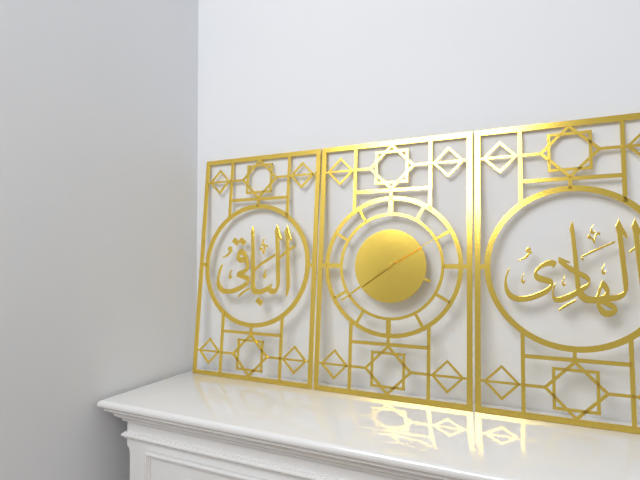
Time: h=3 m=39 s=10
